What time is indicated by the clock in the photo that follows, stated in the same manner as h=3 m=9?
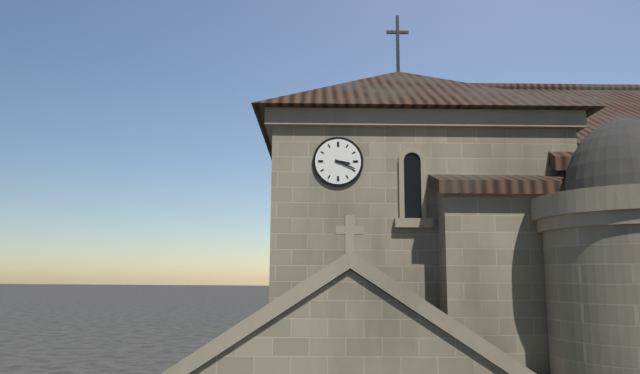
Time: h=3 m=19
